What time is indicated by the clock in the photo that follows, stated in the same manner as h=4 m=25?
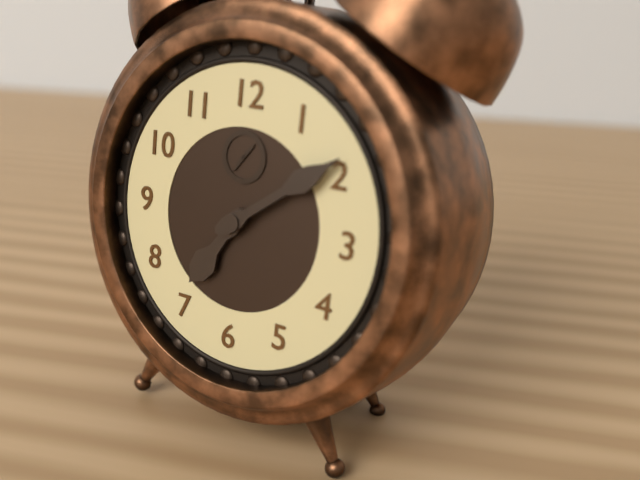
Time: h=7 m=9
